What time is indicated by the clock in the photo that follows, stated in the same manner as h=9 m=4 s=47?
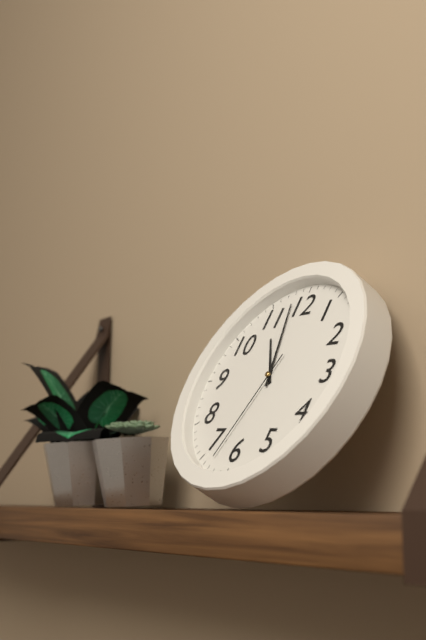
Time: h=10 m=58 s=33
